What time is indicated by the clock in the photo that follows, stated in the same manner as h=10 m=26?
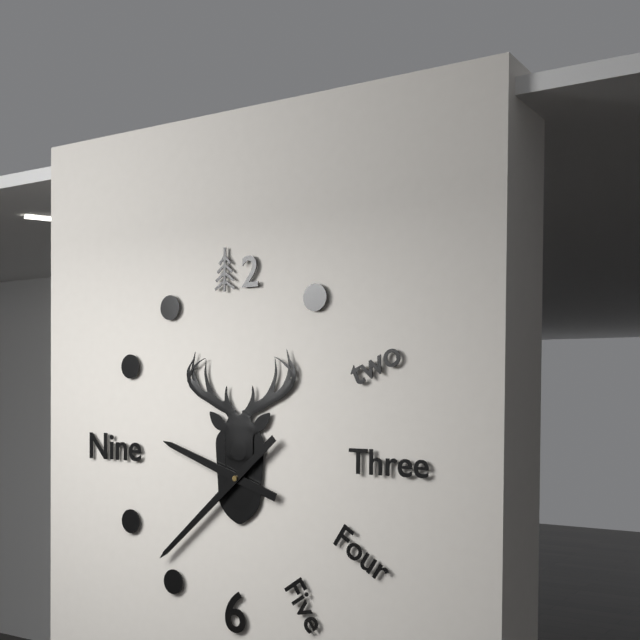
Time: h=9 m=38
